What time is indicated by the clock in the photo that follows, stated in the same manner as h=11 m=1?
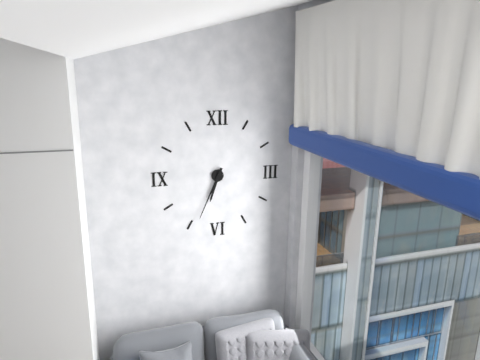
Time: h=6 m=34
